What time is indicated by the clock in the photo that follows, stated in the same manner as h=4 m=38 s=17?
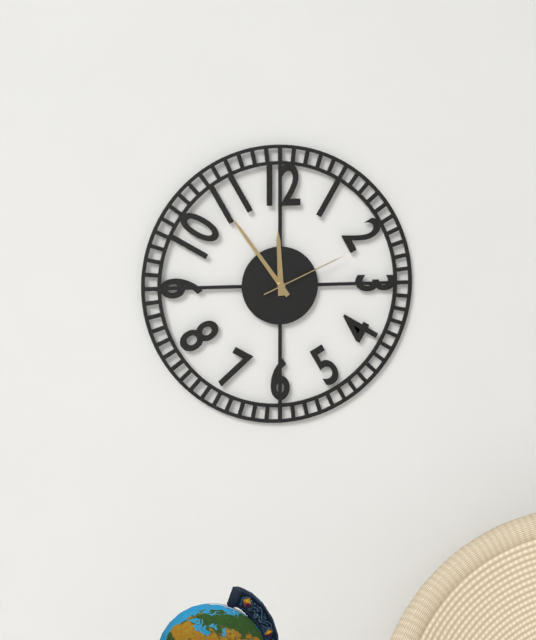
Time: h=11 m=54 s=11
